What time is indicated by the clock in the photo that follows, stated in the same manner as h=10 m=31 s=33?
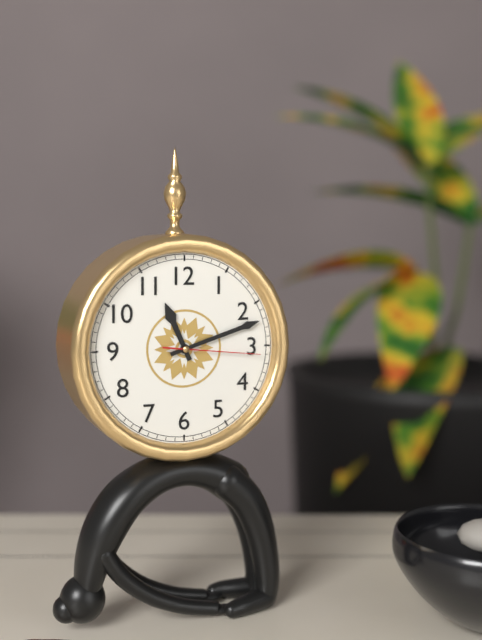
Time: h=11 m=12 s=16
